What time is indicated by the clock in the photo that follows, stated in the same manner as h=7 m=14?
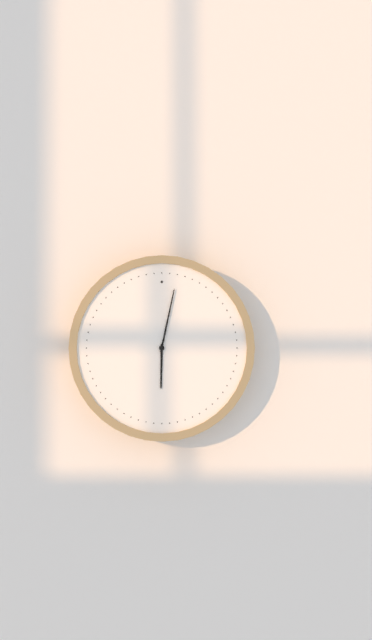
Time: h=6 m=2
